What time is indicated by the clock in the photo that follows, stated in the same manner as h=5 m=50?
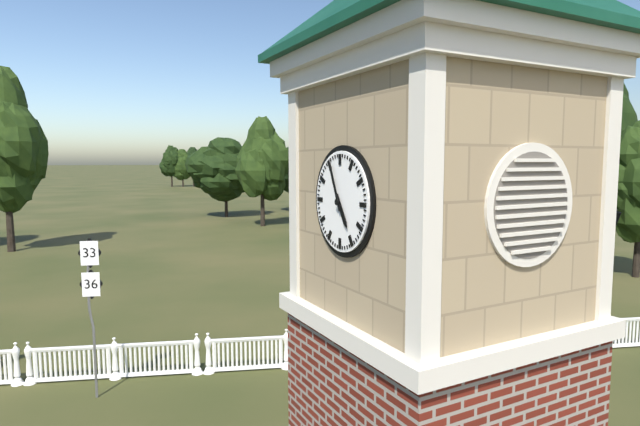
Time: h=4 m=56
